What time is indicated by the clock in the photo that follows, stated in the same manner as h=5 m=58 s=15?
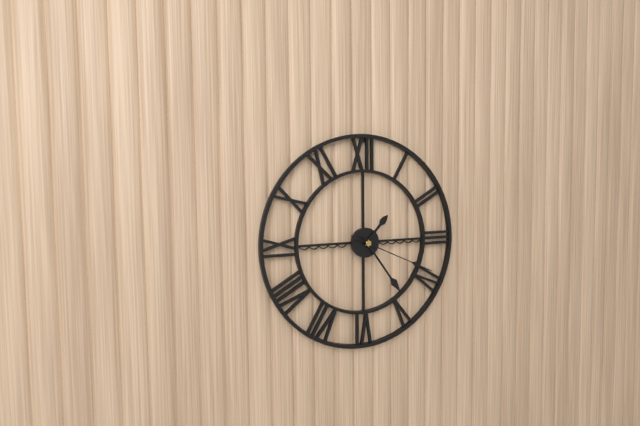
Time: h=1 m=24 s=19
